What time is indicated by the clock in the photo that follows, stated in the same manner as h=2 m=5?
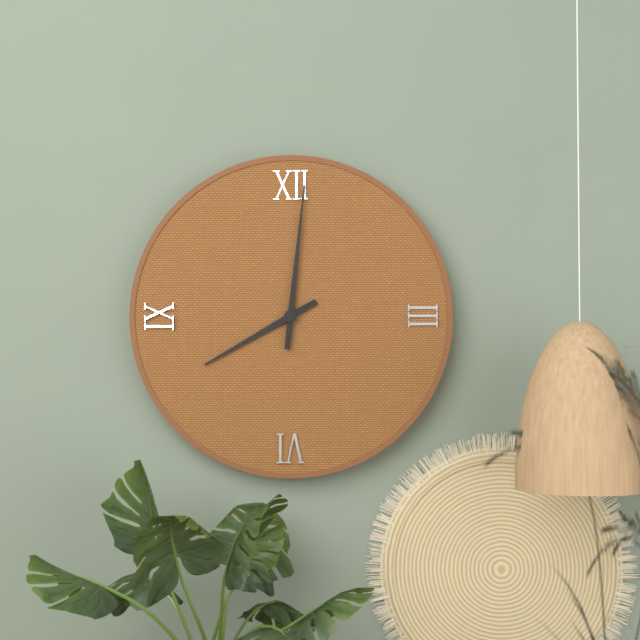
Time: h=8 m=1
